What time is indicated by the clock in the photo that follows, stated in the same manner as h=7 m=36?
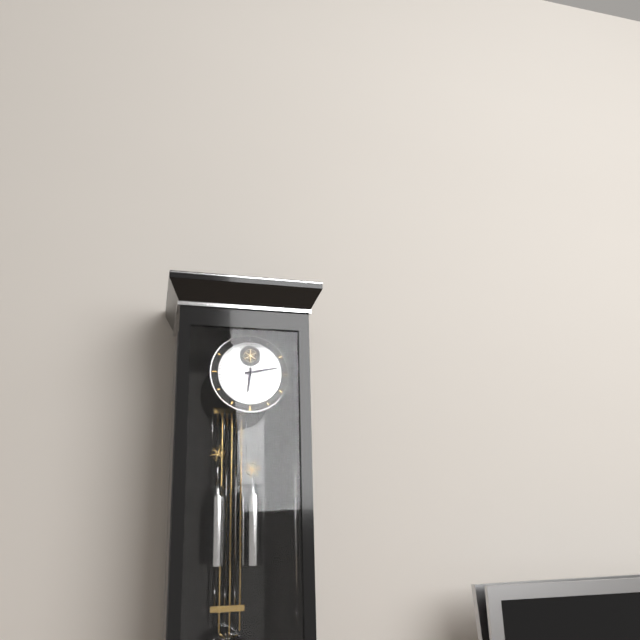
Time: h=6 m=13
